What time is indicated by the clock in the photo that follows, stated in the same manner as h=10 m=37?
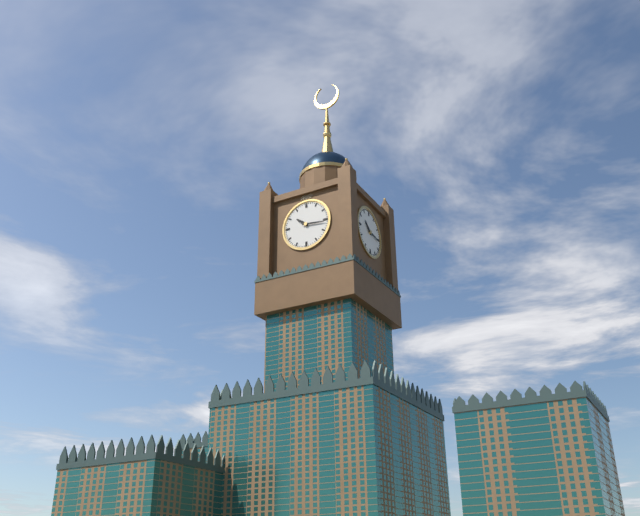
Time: h=10 m=16
